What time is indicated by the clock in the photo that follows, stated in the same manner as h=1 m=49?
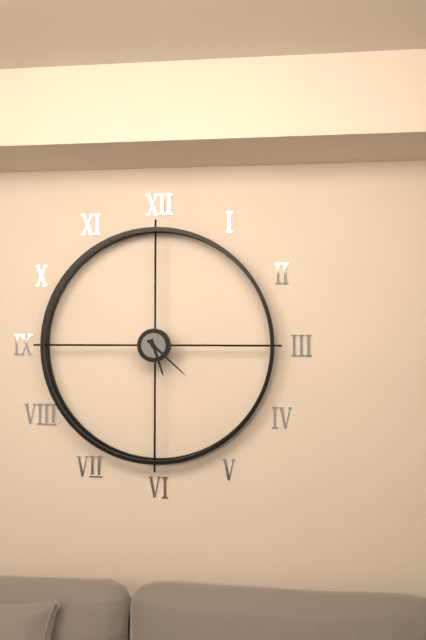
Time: h=5 m=22
